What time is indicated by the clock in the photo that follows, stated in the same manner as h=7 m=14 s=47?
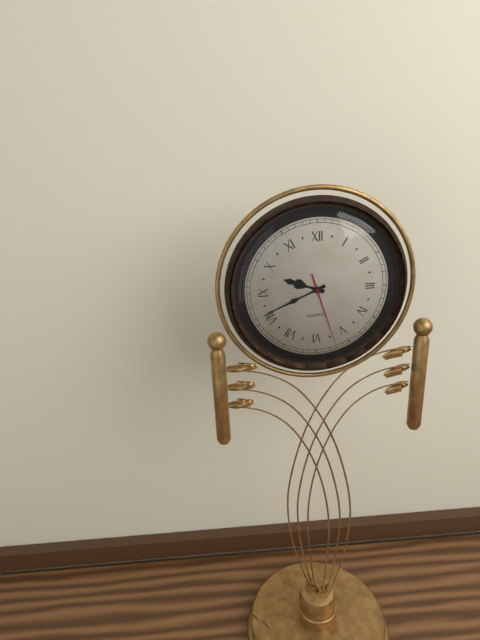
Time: h=9 m=41 s=27
